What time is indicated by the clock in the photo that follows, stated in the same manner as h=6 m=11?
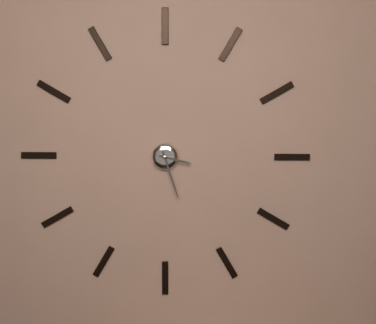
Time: h=3 m=27
